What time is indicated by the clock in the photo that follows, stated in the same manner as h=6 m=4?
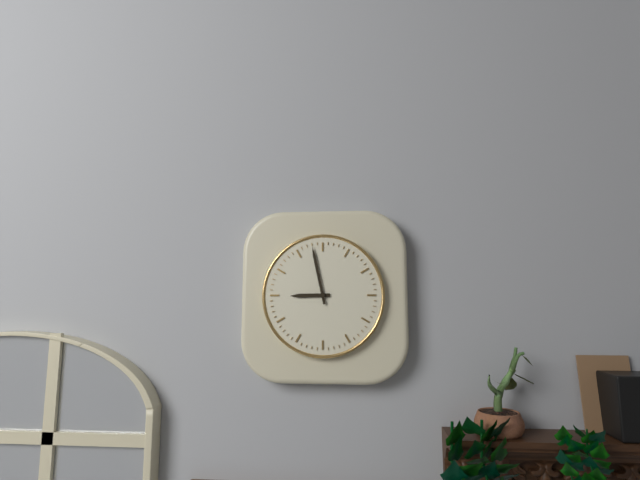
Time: h=8 m=58
